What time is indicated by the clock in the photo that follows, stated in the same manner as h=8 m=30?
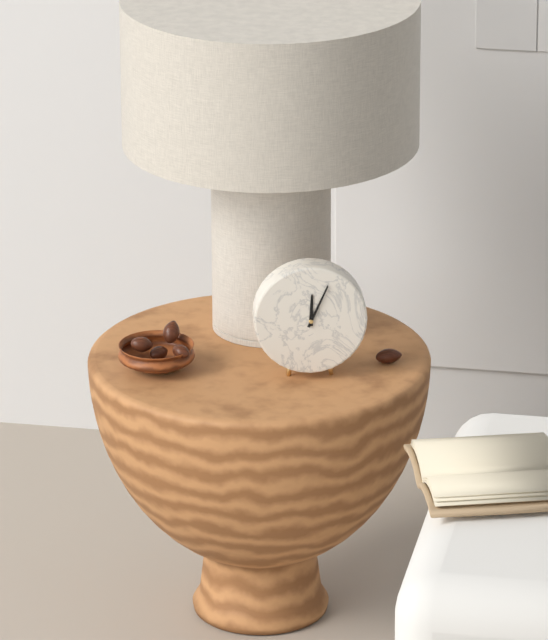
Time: h=12 m=4
